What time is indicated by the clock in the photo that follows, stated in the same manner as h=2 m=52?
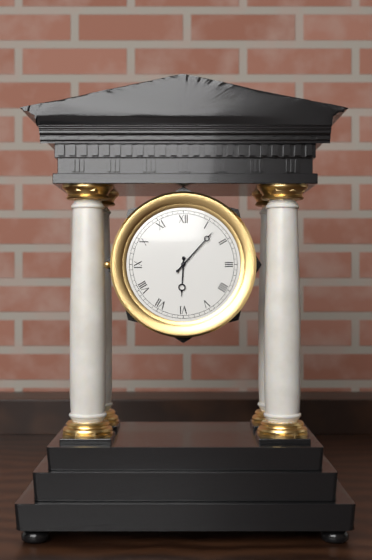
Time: h=6 m=7
